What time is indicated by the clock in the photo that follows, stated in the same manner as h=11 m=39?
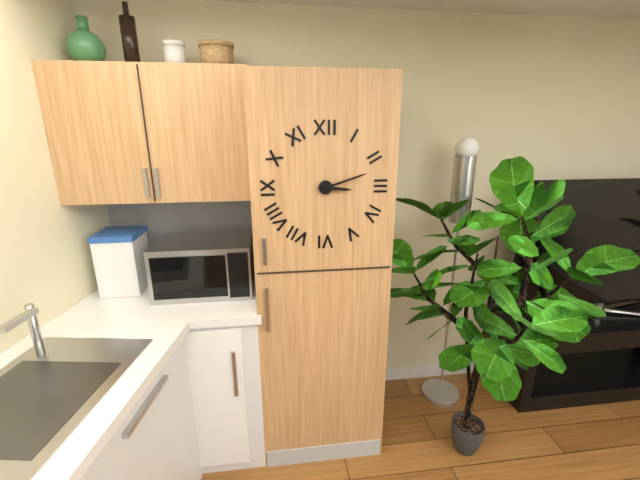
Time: h=3 m=12
